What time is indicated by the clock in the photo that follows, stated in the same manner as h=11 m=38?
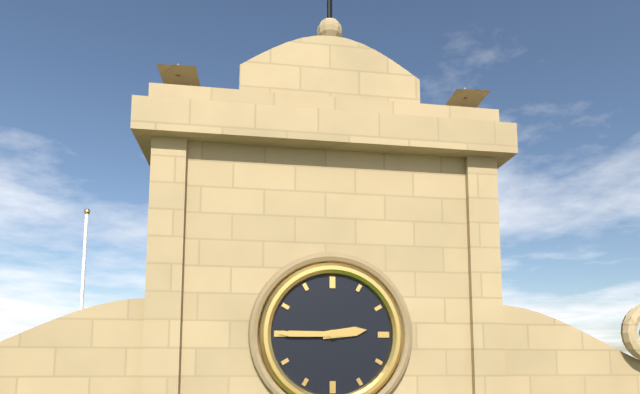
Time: h=2 m=45
